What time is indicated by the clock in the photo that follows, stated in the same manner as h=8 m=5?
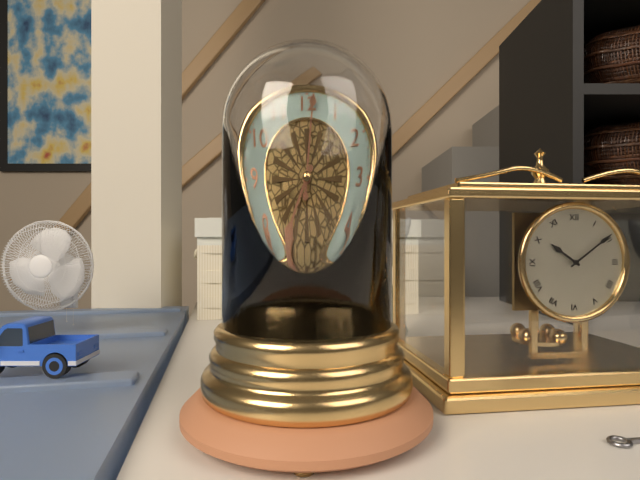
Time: h=7 m=1
